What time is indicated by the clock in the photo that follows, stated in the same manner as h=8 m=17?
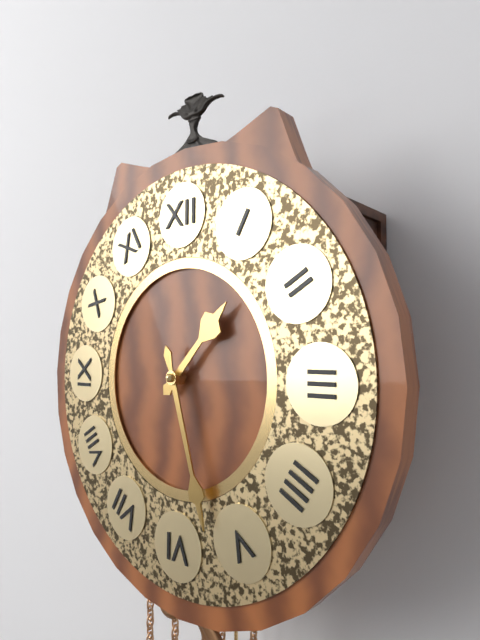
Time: h=1 m=27
